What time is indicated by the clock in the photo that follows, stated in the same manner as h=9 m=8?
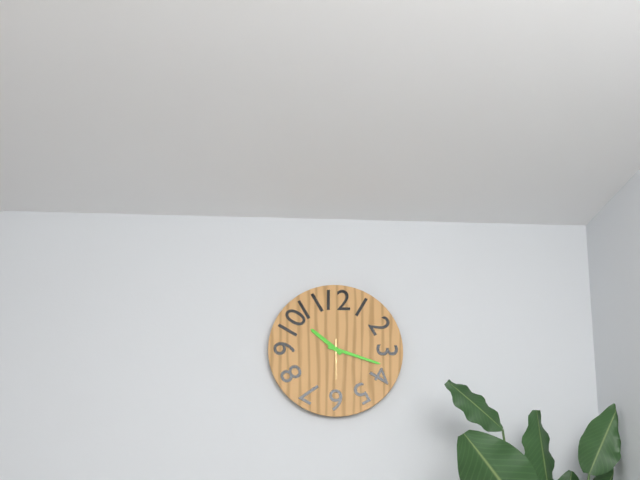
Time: h=10 m=18
